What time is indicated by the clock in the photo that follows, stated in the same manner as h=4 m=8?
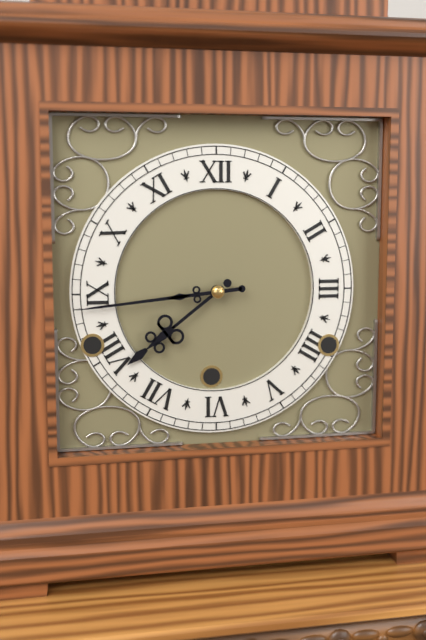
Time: h=7 m=44
